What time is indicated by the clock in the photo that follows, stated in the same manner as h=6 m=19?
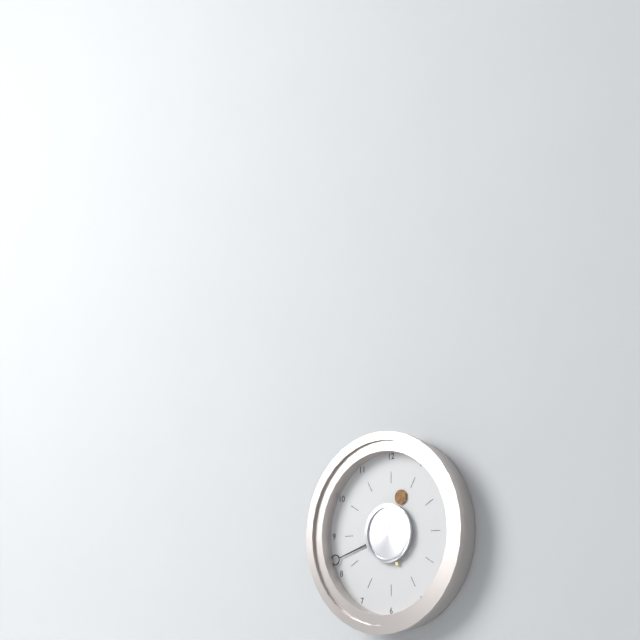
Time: h=12 m=42
